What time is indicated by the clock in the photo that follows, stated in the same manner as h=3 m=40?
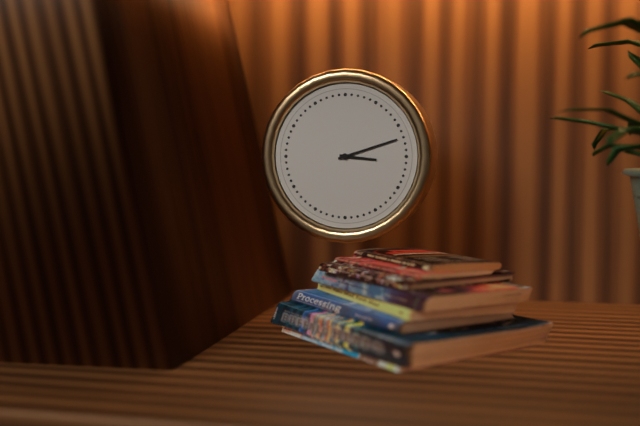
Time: h=3 m=12
